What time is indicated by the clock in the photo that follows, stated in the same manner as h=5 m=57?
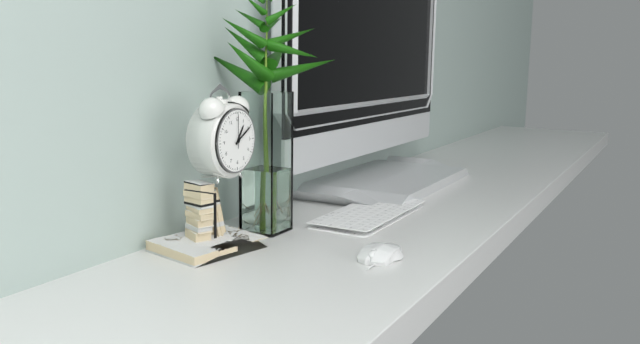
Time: h=1 m=10
